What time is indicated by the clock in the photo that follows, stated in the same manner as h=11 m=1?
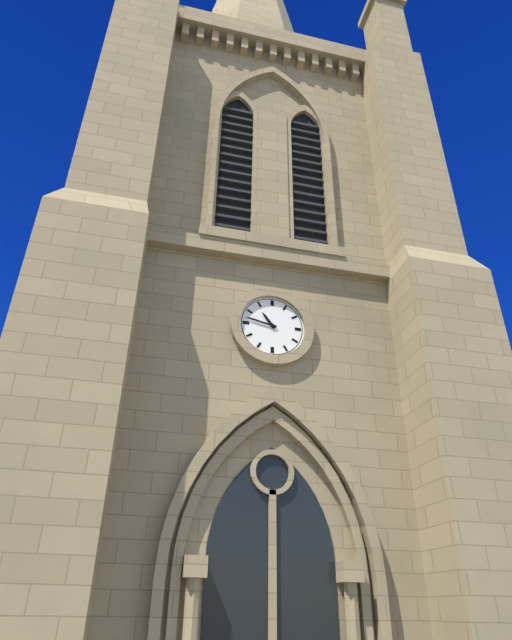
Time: h=10 m=47
